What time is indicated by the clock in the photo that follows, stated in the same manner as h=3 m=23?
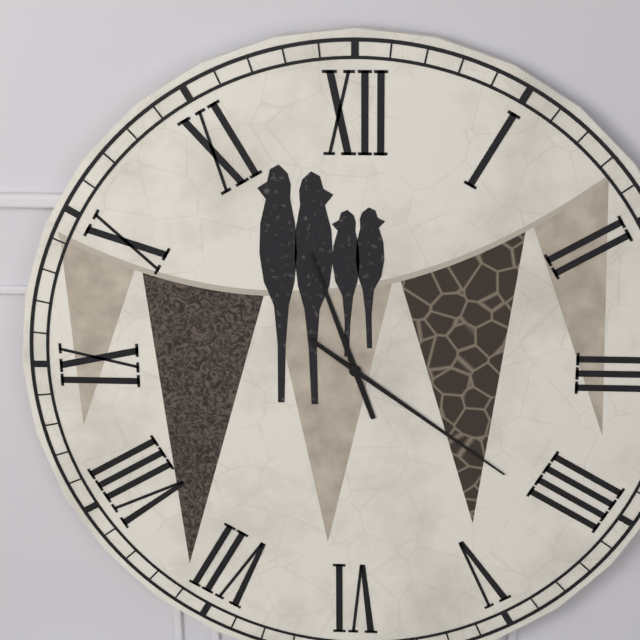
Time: h=11 m=21
